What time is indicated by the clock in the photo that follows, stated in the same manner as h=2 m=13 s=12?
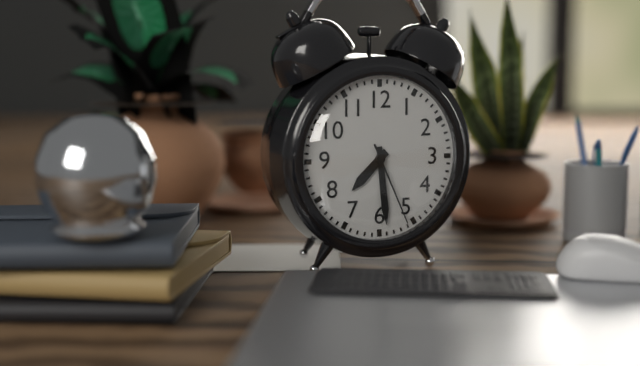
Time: h=7 m=29 s=26
